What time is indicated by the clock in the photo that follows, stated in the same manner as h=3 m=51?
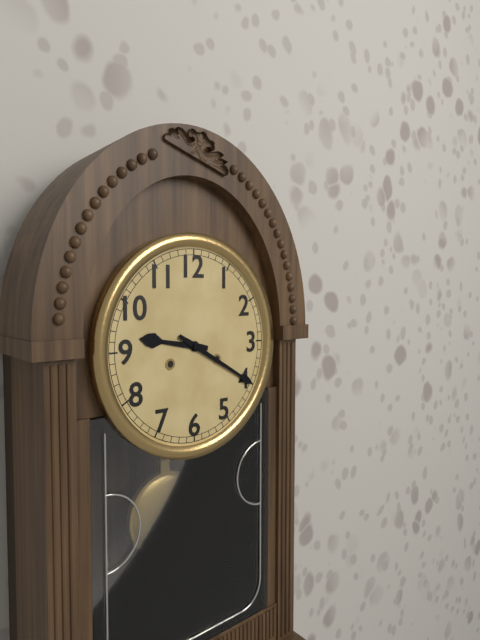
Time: h=9 m=20
